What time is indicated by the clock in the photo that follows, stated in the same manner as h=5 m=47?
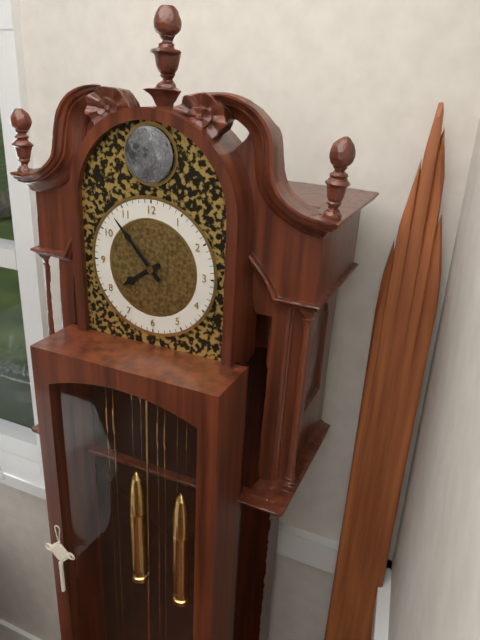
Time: h=7 m=53
